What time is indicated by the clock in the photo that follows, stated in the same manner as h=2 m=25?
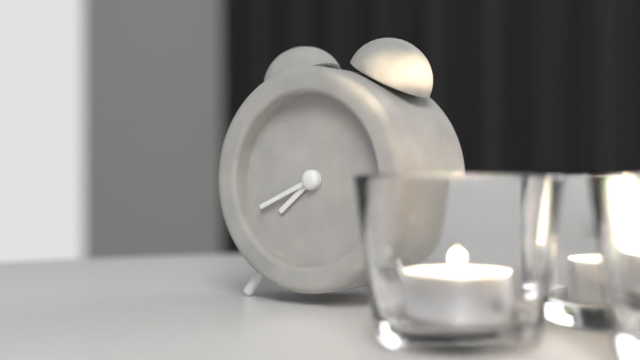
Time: h=7 m=41
